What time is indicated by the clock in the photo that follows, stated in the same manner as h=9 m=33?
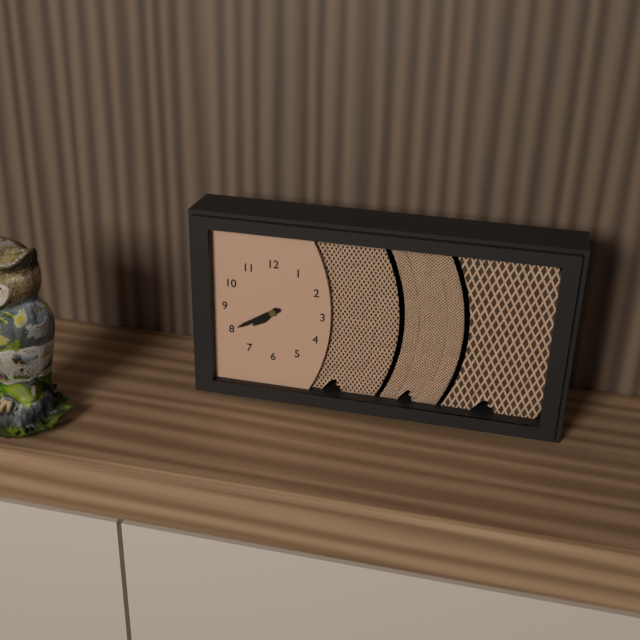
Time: h=7 m=40
